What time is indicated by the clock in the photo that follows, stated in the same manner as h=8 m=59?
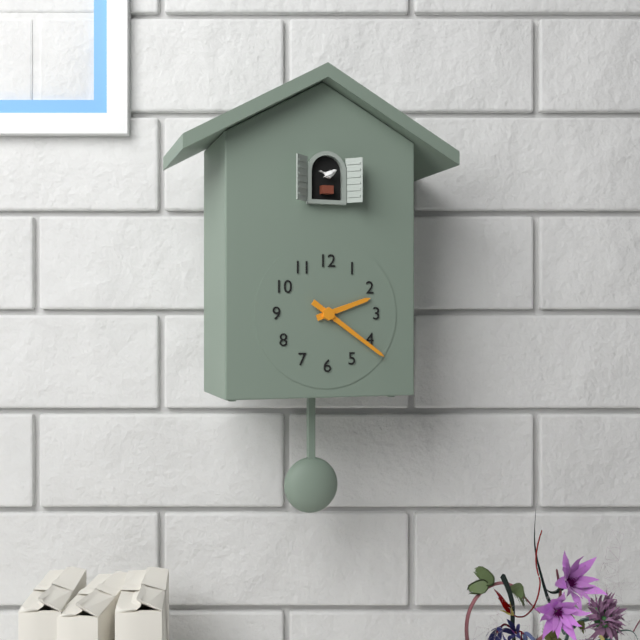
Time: h=2 m=21
